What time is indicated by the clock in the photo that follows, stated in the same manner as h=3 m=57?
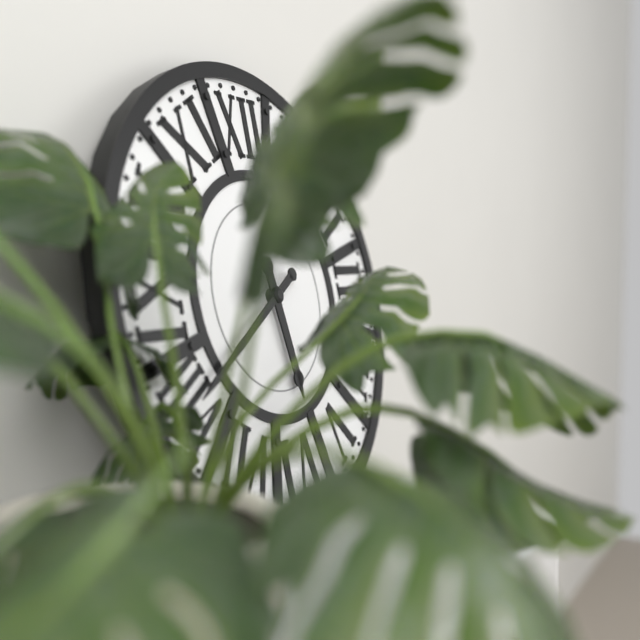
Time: h=5 m=40
